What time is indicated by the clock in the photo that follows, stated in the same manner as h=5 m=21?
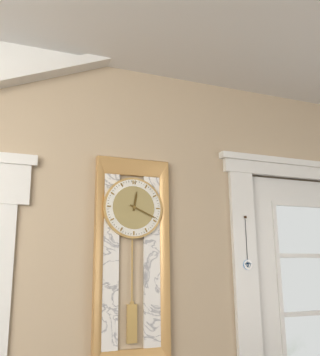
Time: h=12 m=19
